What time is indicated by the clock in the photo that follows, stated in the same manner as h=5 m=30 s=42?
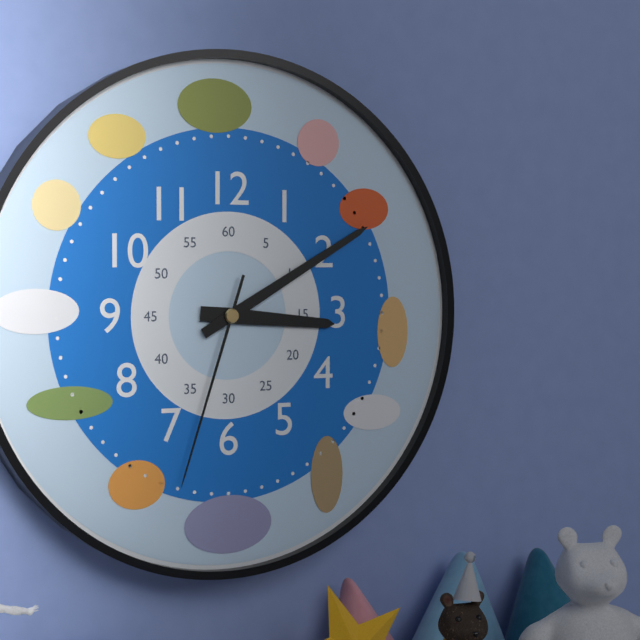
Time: h=3 m=10 s=33
